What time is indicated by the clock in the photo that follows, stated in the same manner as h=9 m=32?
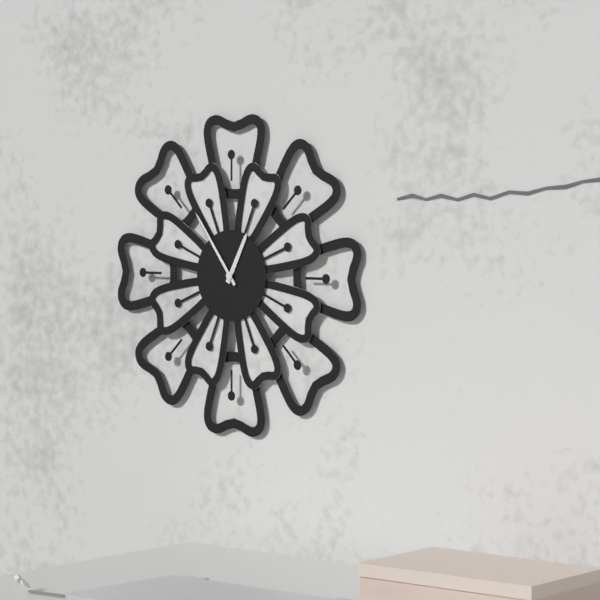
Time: h=12 m=54
